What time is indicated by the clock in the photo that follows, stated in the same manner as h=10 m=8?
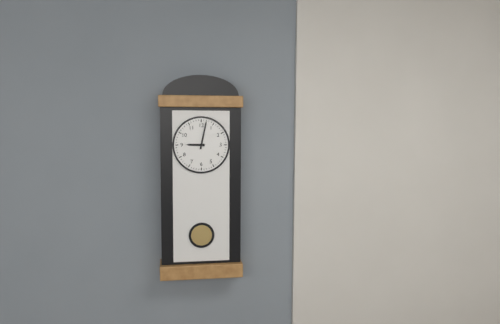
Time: h=9 m=2
